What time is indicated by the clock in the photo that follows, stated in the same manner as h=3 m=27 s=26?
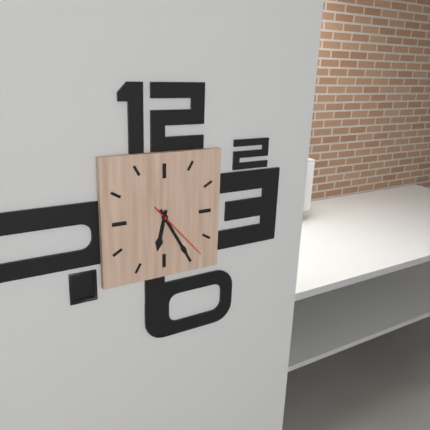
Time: h=6 m=25 s=23
